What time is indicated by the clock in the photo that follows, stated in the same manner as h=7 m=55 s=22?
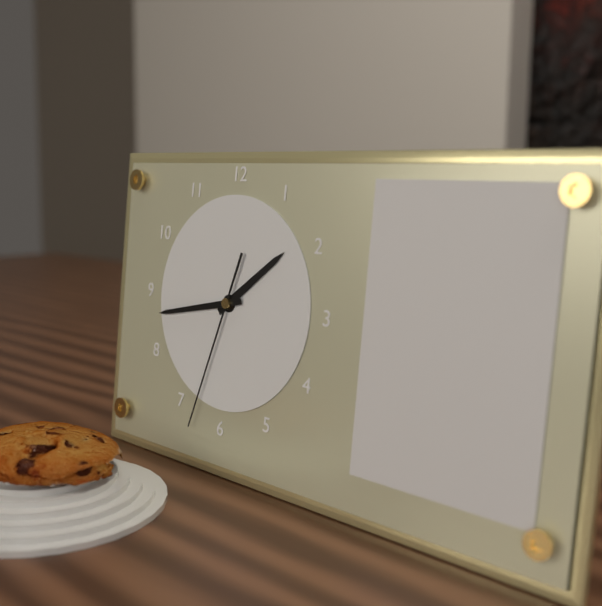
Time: h=1 m=43 s=33
